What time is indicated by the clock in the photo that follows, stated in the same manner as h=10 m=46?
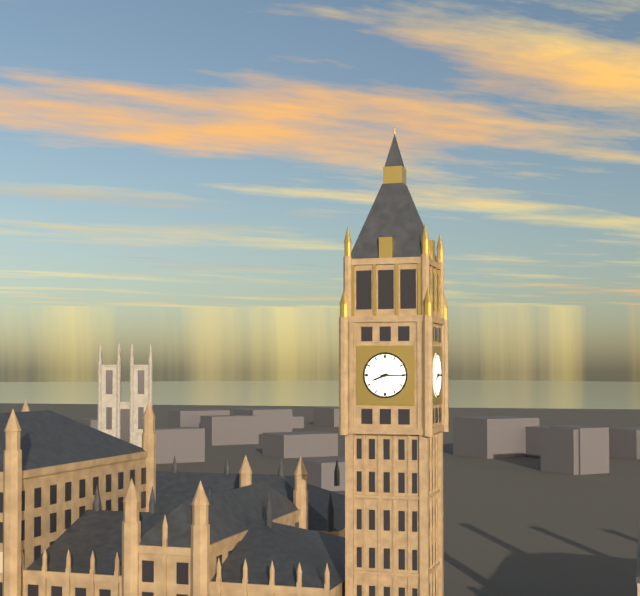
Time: h=8 m=15
